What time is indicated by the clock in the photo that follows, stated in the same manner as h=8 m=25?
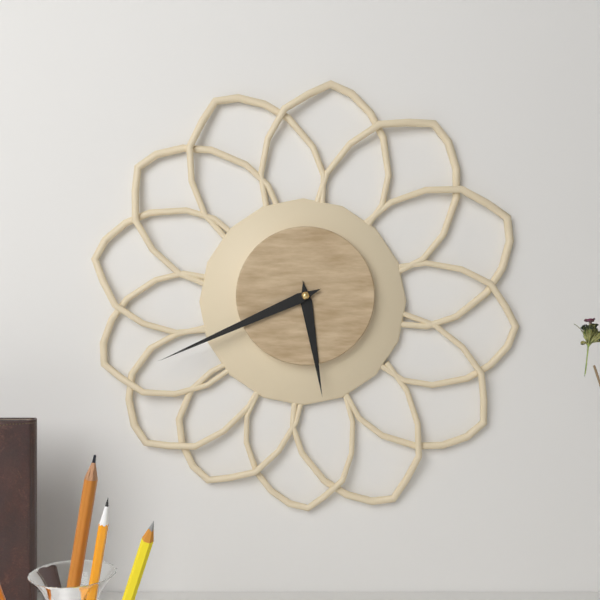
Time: h=5 m=41
